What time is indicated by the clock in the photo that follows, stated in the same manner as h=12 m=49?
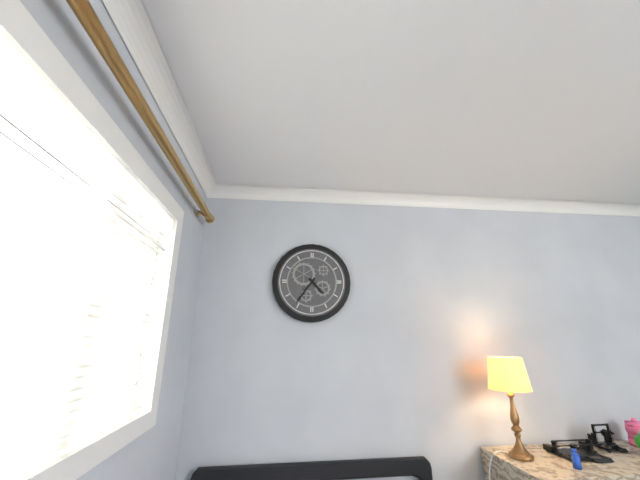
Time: h=4 m=36
